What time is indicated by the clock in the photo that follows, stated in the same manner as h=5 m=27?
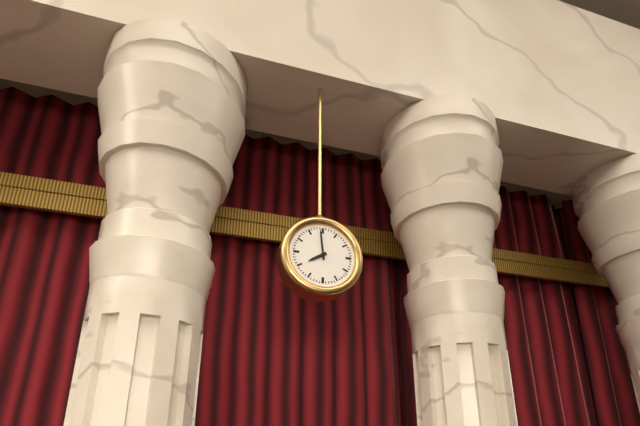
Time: h=7 m=59
